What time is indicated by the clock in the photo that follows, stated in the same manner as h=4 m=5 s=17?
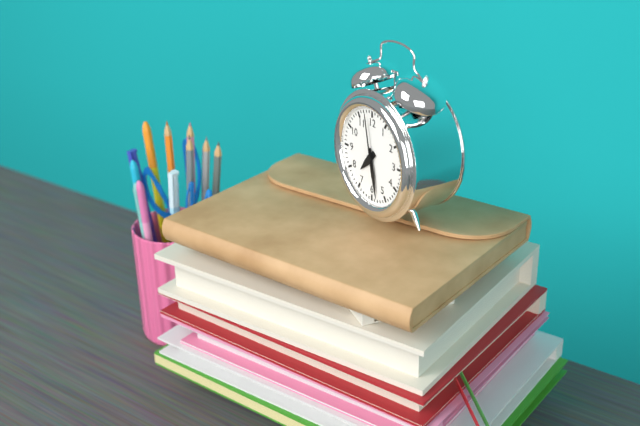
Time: h=7 m=28 s=58
